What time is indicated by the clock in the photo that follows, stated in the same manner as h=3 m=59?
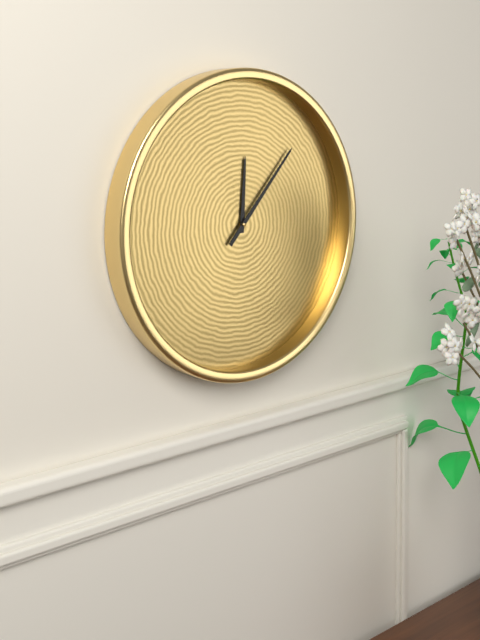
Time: h=12 m=7
